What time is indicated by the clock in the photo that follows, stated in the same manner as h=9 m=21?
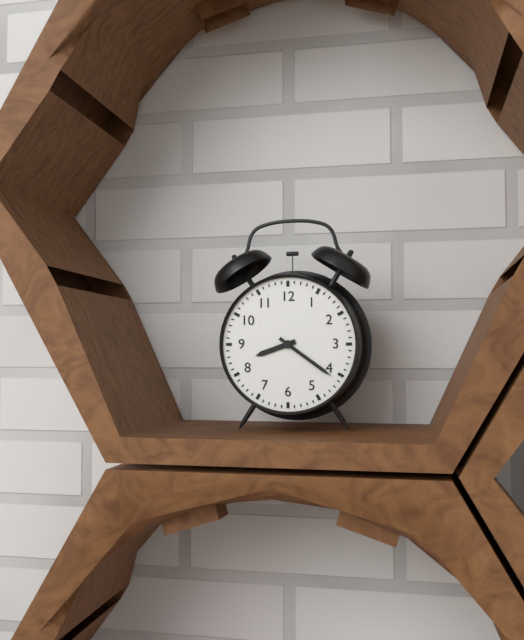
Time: h=8 m=21
